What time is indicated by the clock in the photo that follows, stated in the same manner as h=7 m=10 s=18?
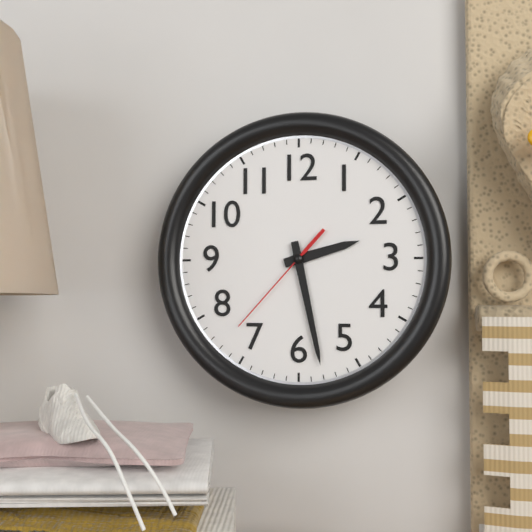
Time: h=2 m=28 s=37
